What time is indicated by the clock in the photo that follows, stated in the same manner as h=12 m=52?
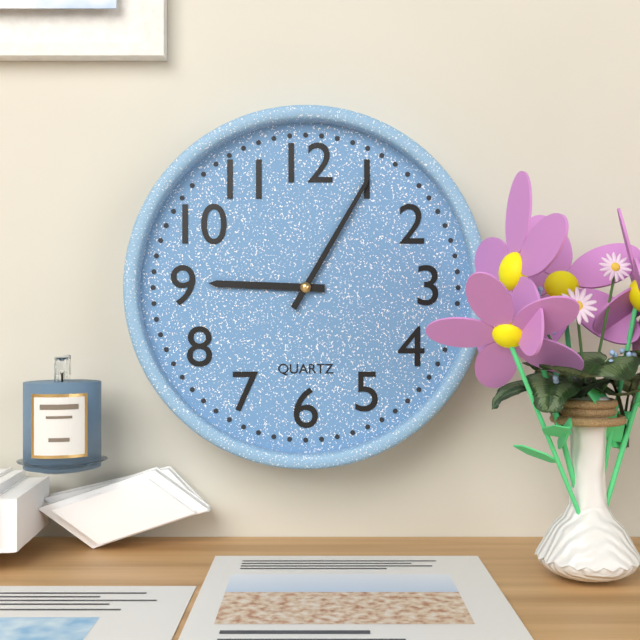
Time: h=9 m=5
